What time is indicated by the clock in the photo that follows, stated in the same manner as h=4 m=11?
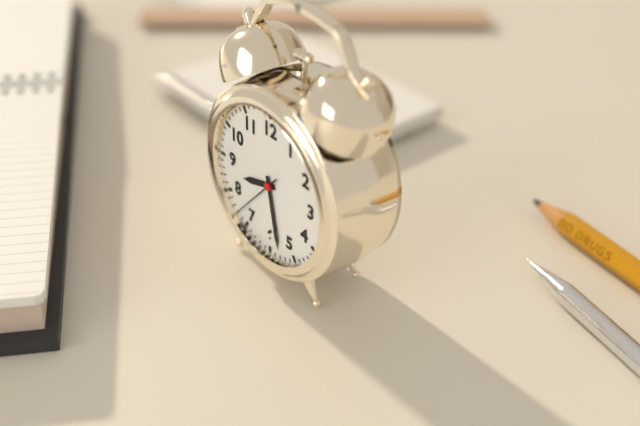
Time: h=8 m=28
